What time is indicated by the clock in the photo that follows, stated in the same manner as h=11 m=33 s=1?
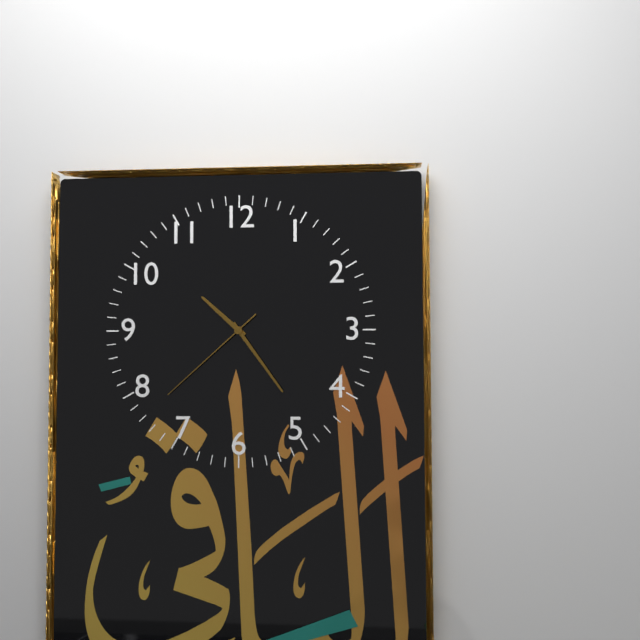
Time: h=10 m=24 s=38
